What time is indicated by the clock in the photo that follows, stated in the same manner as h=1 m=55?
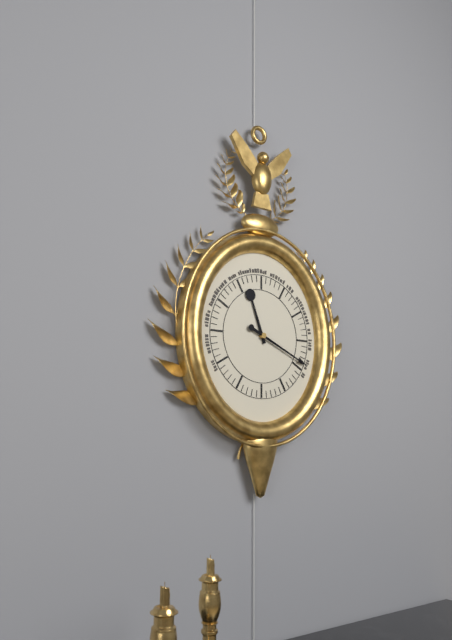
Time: h=11 m=19
